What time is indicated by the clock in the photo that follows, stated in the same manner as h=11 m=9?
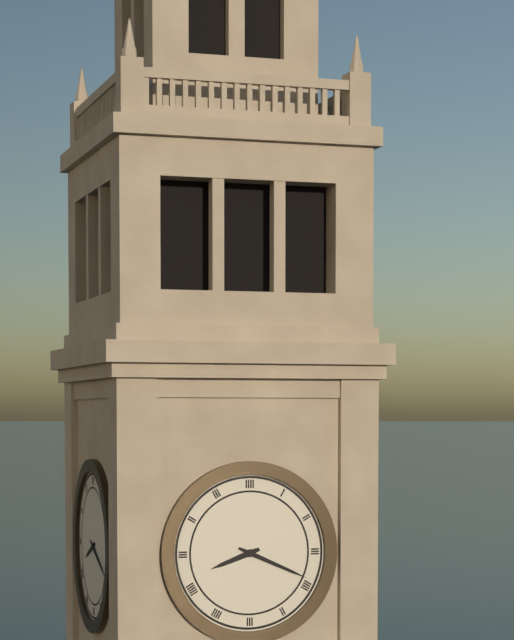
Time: h=8 m=19
